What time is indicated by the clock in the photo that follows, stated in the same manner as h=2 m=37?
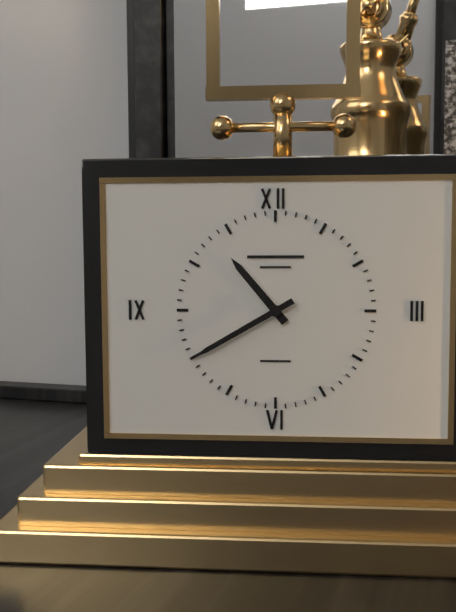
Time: h=10 m=40
